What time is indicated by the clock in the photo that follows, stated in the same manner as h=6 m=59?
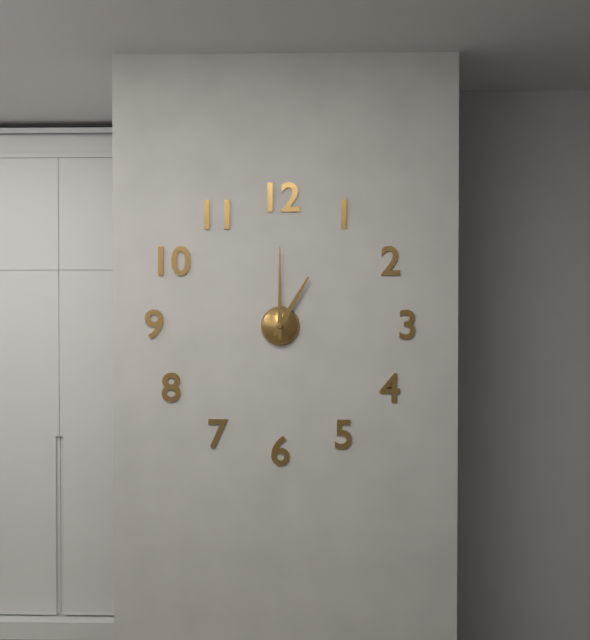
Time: h=1 m=0
